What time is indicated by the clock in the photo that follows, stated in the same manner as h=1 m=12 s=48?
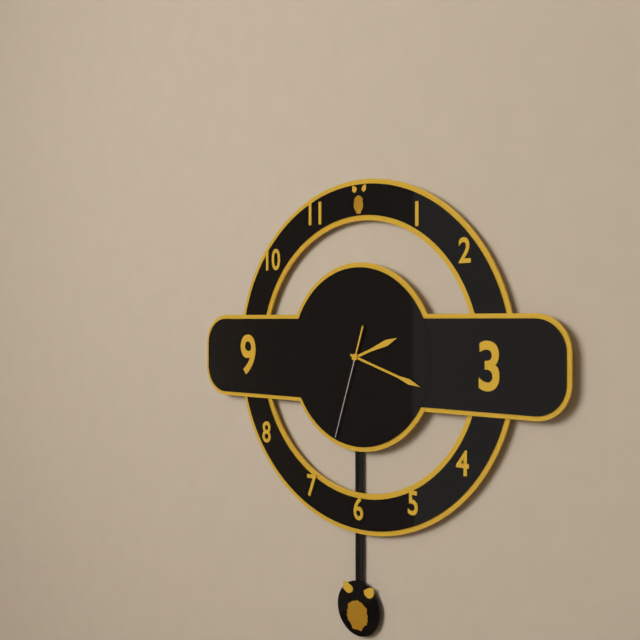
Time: h=2 m=18 s=33
